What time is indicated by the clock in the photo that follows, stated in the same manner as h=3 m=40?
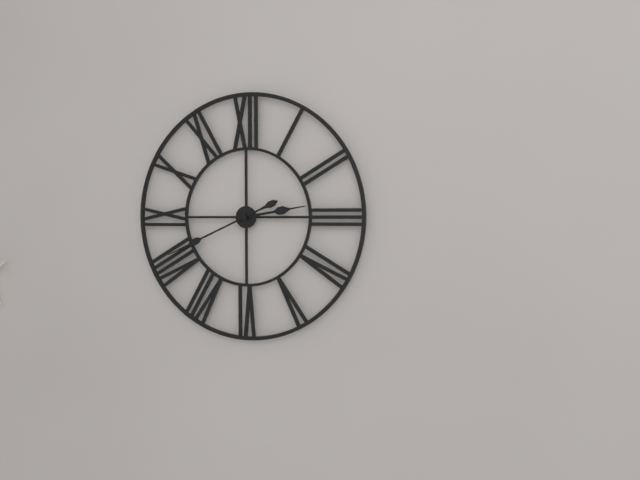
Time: h=2 m=41
